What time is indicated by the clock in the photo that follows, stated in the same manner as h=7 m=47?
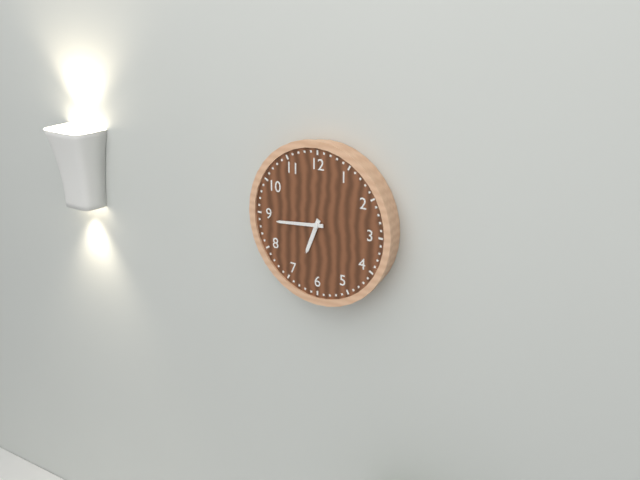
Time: h=6 m=44
